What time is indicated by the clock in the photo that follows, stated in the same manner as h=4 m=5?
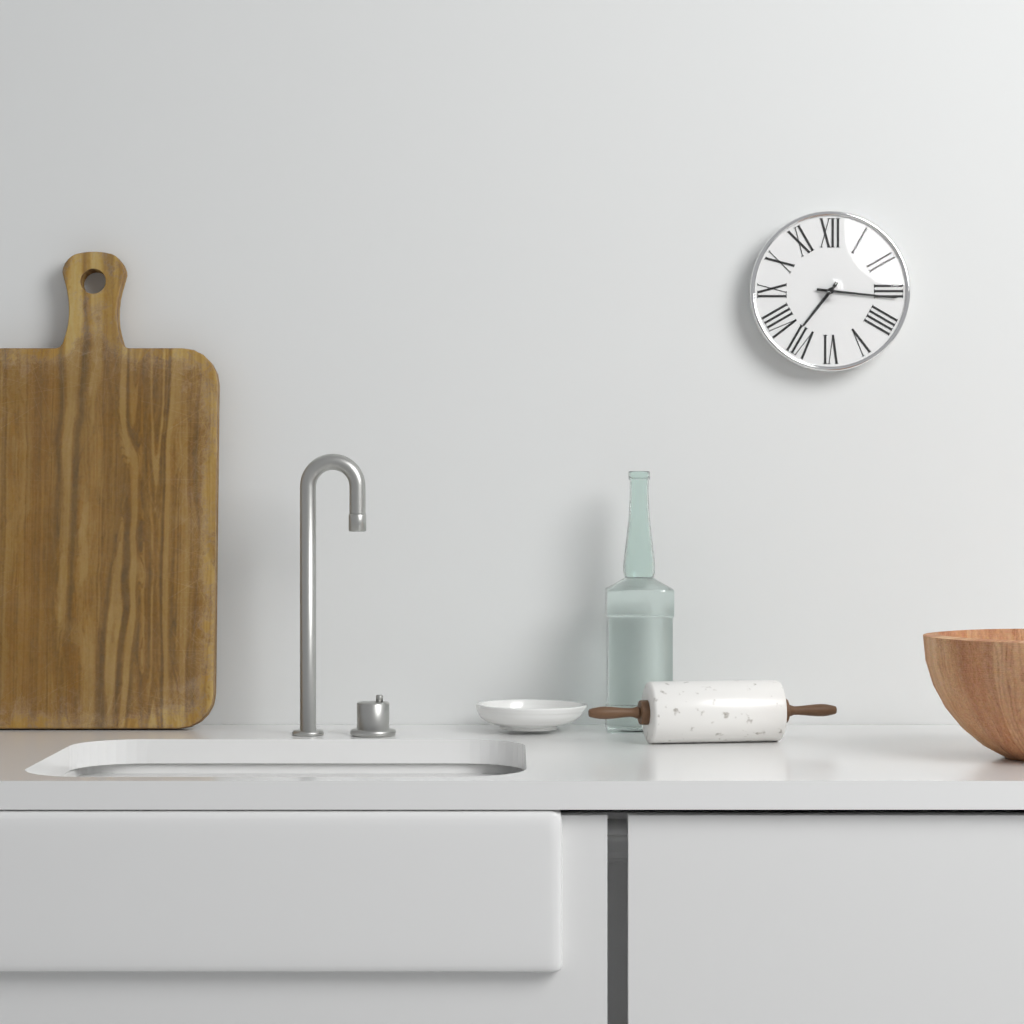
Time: h=7 m=16
